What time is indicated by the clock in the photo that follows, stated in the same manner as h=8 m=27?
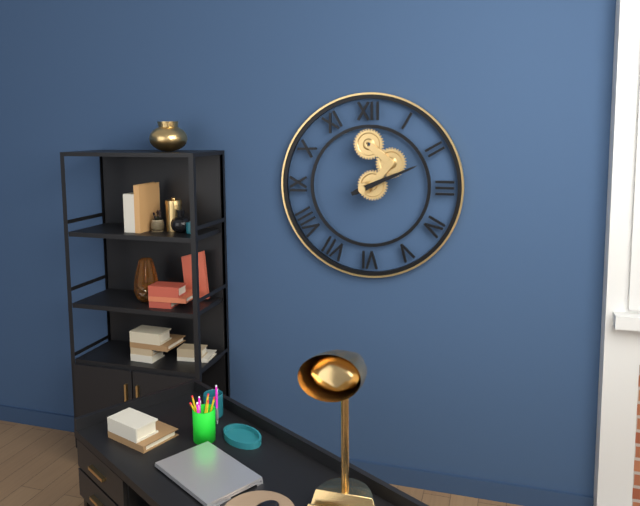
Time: h=2 m=11
